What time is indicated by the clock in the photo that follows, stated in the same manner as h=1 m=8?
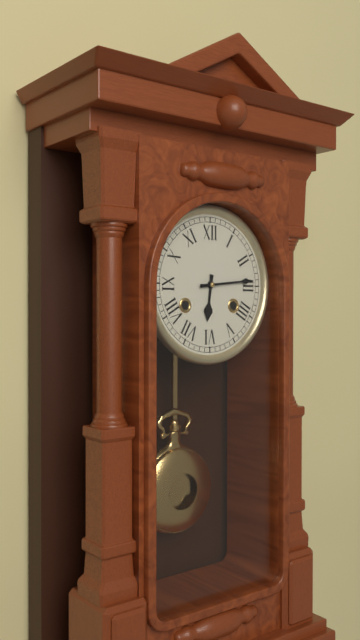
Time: h=6 m=14
